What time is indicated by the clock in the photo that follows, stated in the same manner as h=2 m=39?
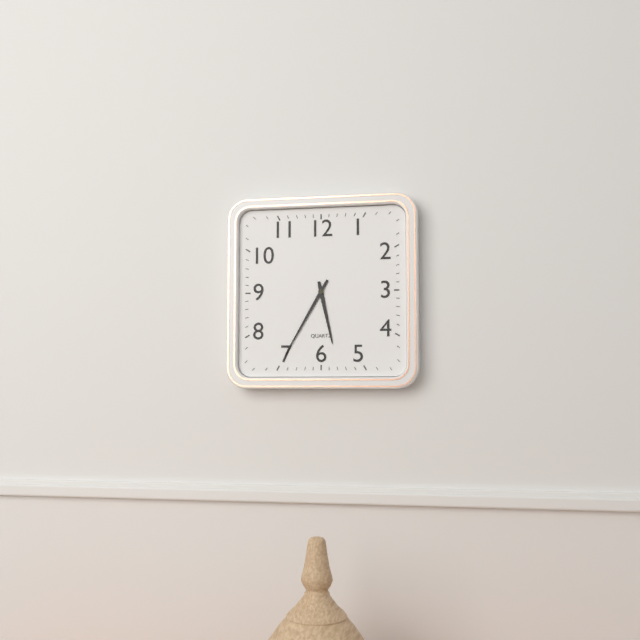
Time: h=5 m=35
